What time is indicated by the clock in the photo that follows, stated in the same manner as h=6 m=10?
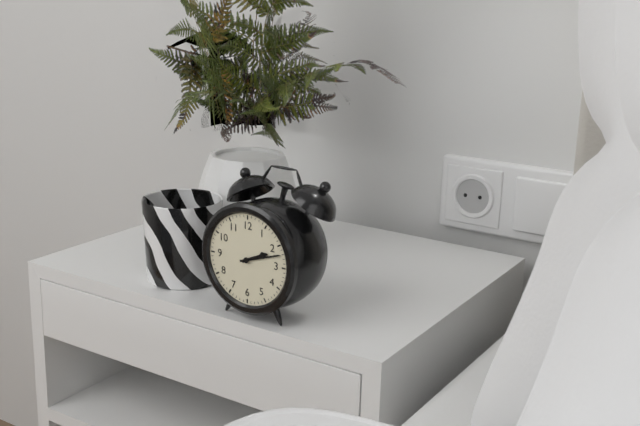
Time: h=2 m=12
